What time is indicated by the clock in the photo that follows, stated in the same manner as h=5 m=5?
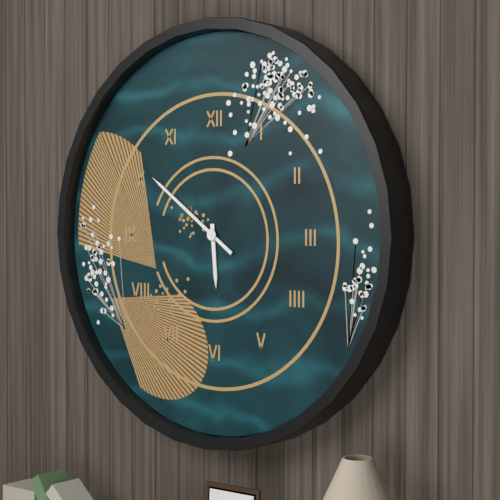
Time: h=5 m=51
